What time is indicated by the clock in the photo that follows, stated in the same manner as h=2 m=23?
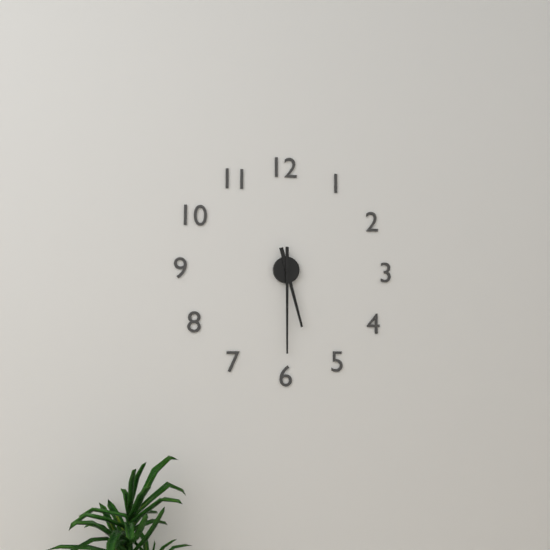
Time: h=5 m=30
